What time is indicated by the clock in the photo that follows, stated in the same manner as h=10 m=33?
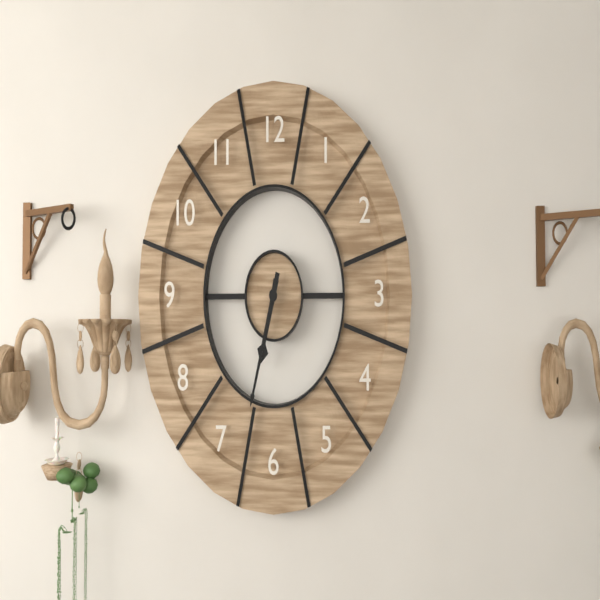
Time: h=6 m=33
